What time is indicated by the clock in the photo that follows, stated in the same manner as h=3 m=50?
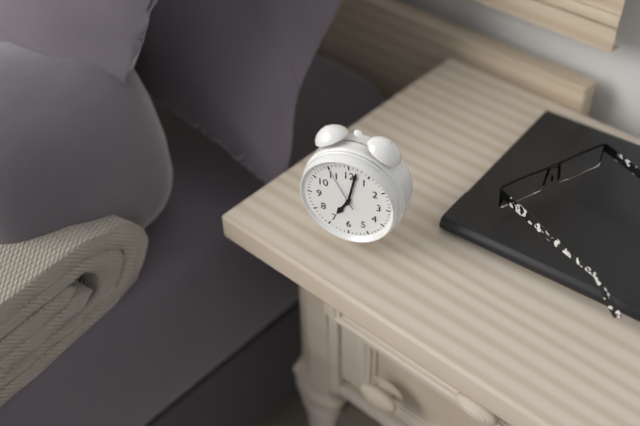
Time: h=7 m=2
